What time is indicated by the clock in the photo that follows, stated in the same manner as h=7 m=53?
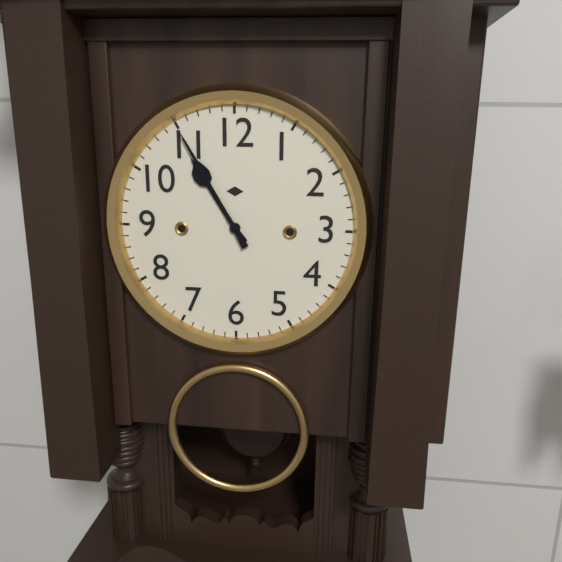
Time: h=10 m=55
